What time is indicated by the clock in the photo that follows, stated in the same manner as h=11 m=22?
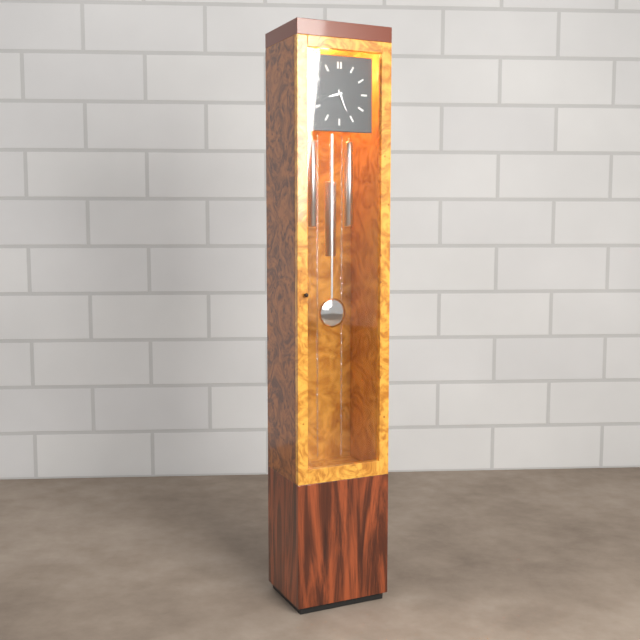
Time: h=8 m=26
